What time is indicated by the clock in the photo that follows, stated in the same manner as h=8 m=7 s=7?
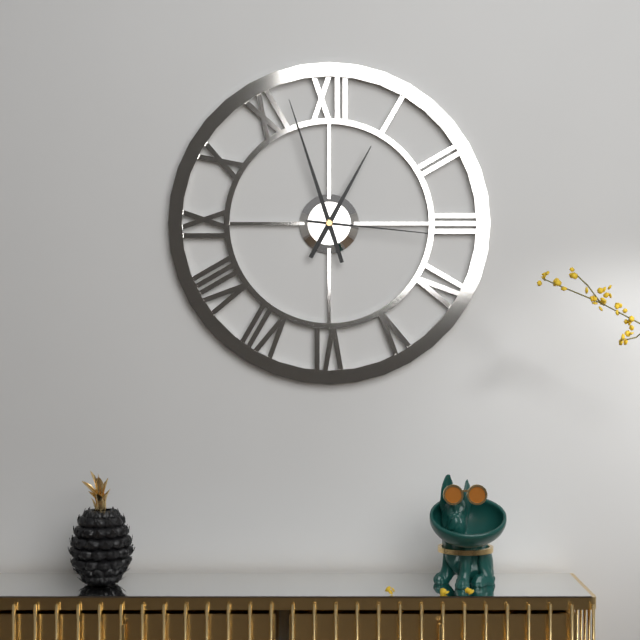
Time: h=12 m=57 s=16
